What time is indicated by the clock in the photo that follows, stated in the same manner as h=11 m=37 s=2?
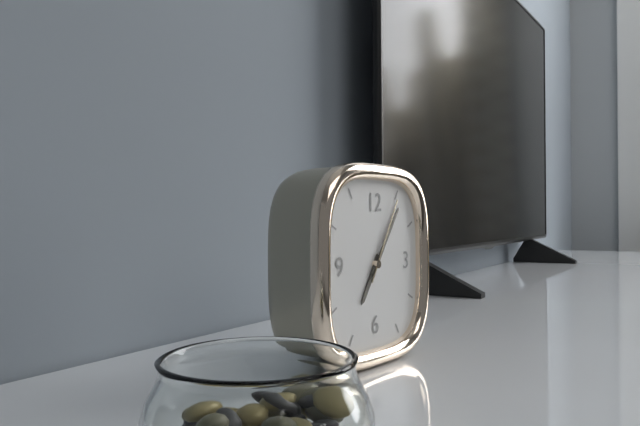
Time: h=7 m=6 s=5
